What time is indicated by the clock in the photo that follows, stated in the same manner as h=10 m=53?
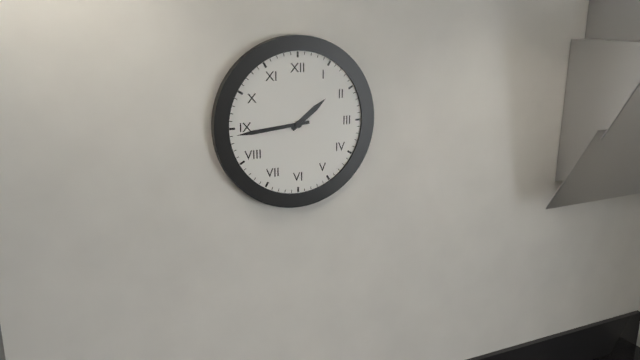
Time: h=1 m=44
